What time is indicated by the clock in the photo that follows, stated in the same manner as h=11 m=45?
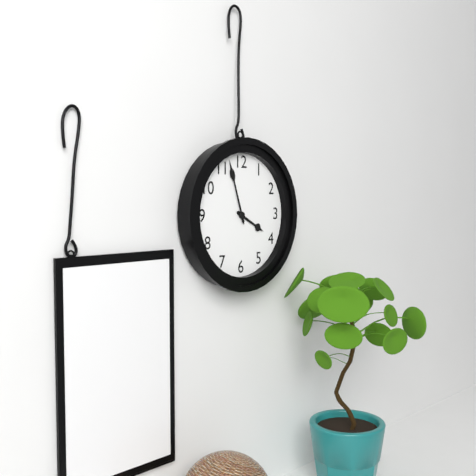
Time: h=3 m=57
